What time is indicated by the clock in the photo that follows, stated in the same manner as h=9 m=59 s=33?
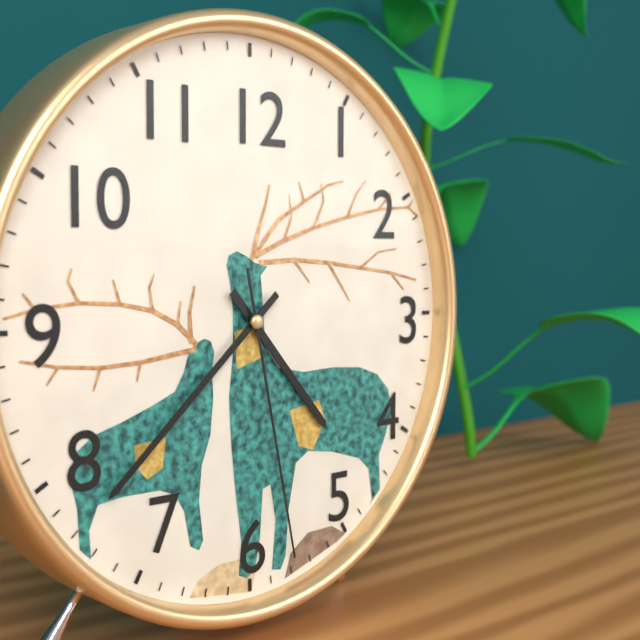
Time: h=4 m=38 s=28
